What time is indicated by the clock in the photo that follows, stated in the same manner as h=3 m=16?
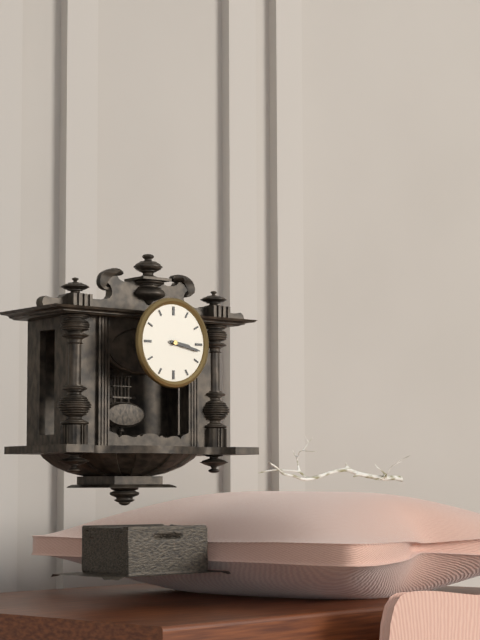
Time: h=3 m=17
